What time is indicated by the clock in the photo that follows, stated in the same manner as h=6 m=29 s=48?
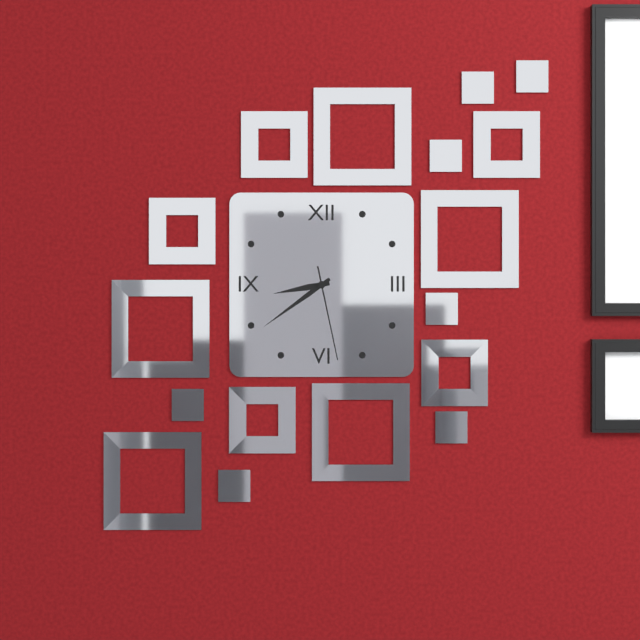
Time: h=8 m=39 s=28
